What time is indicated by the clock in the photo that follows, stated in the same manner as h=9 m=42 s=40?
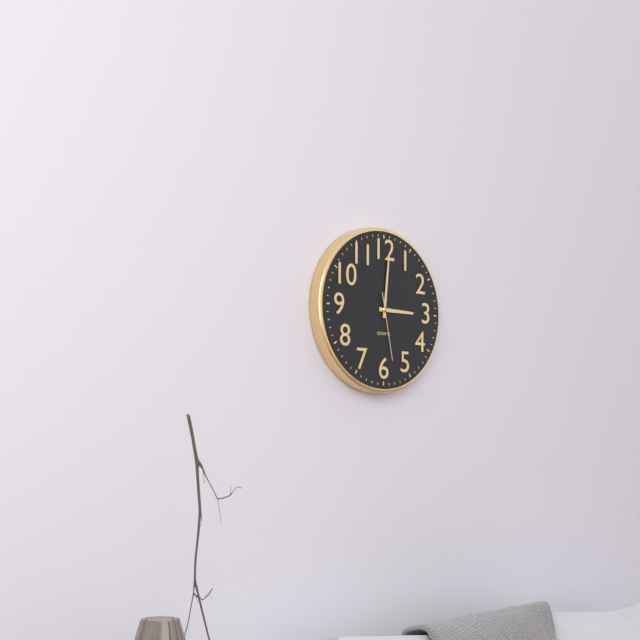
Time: h=3 m=1 s=28
